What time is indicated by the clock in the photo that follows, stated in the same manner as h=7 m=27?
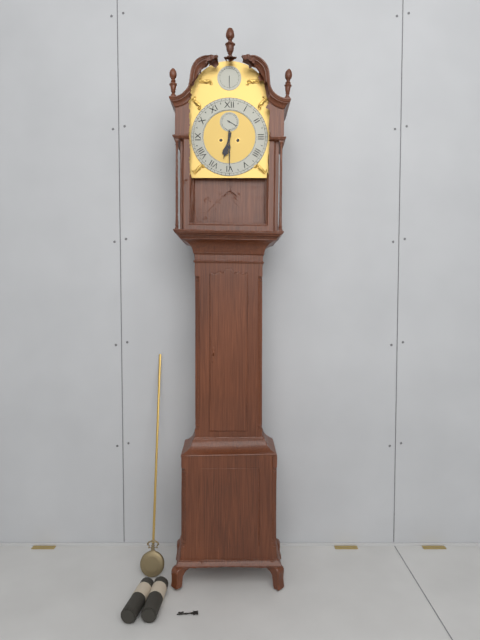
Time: h=6 m=30
